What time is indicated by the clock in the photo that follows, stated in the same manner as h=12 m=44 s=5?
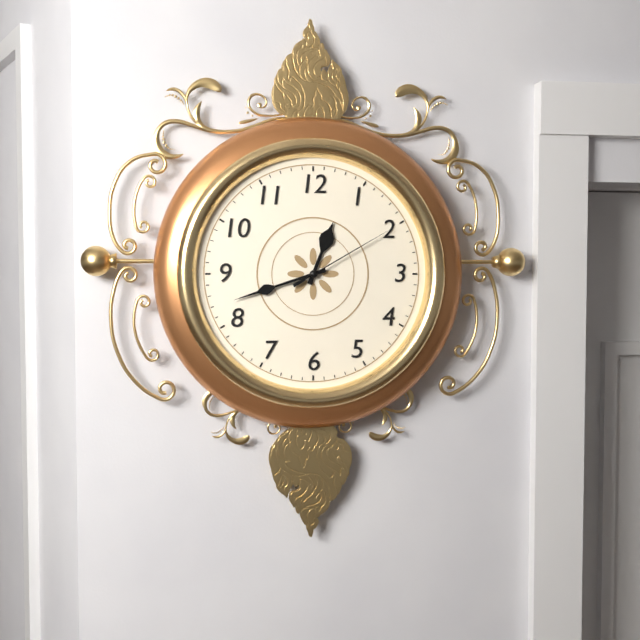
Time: h=12 m=42 s=10
